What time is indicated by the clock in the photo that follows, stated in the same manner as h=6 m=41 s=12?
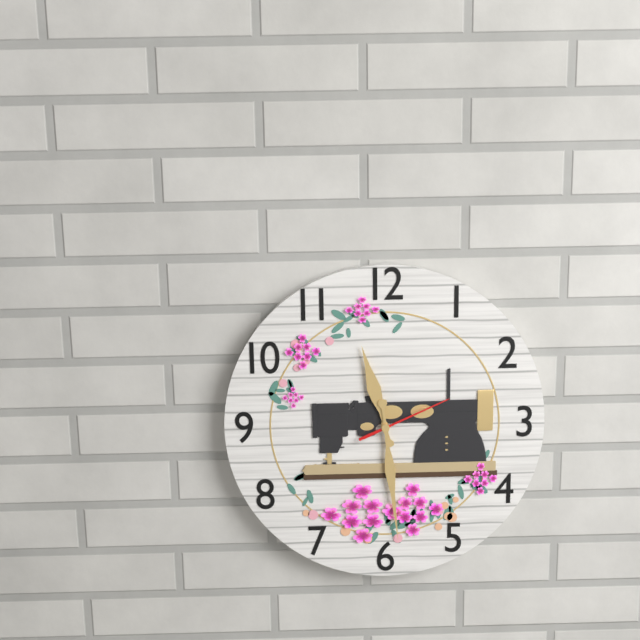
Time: h=11 m=29 s=11
